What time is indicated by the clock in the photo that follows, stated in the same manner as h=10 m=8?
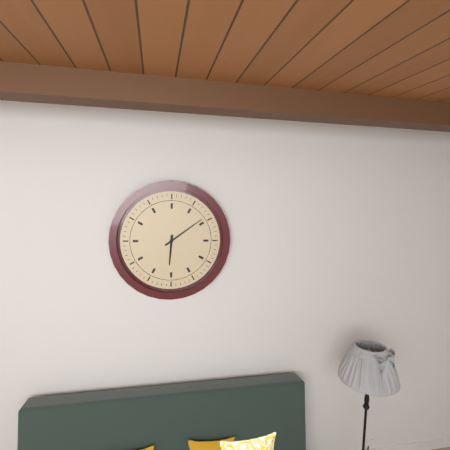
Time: h=6 m=9
